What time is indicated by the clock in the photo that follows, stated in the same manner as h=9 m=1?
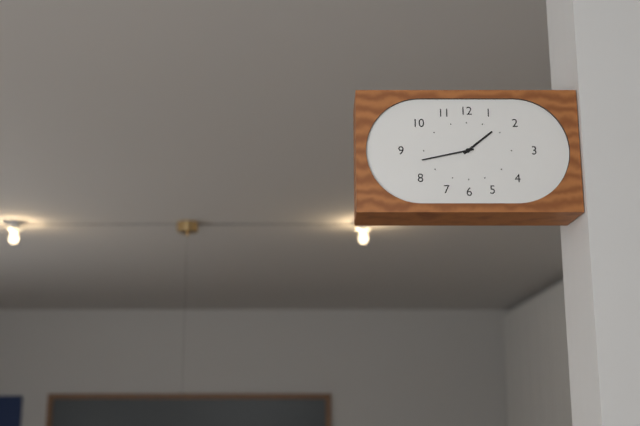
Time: h=1 m=43
